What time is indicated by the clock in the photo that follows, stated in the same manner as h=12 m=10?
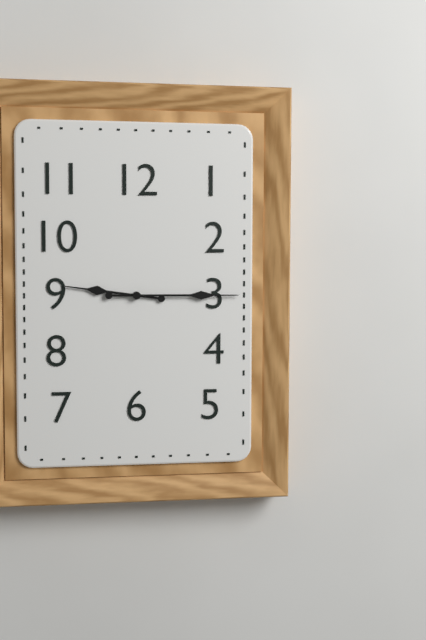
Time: h=9 m=15
